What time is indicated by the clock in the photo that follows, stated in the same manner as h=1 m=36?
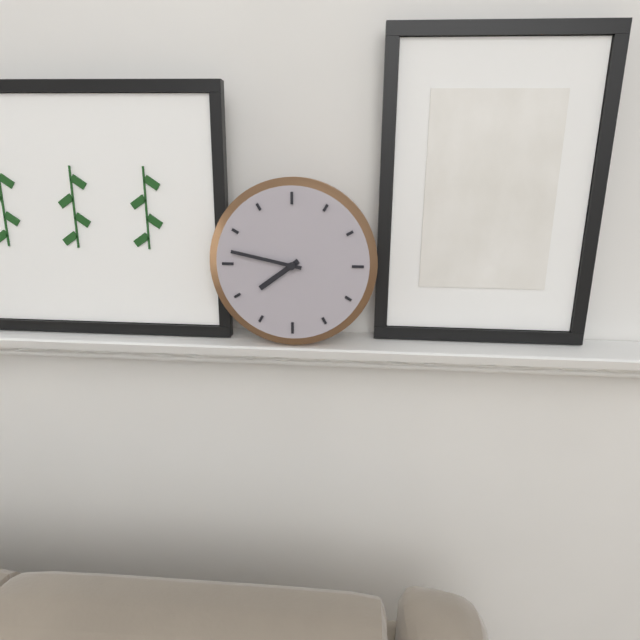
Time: h=7 m=47
